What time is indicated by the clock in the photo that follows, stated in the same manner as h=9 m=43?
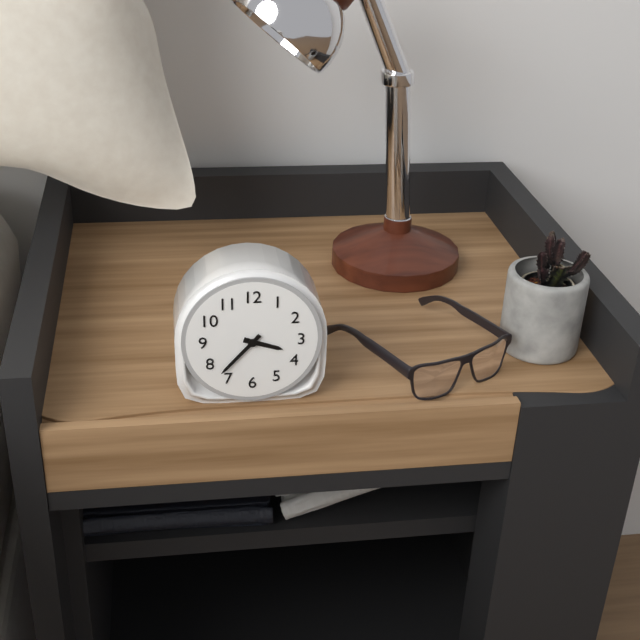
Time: h=3 m=37
